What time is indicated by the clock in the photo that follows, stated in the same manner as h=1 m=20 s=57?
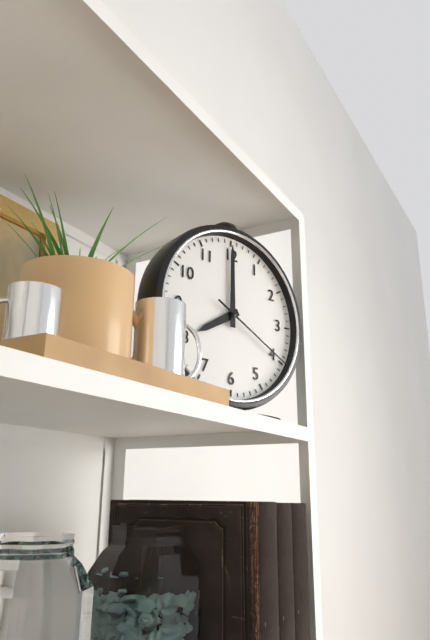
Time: h=8 m=0 s=20
